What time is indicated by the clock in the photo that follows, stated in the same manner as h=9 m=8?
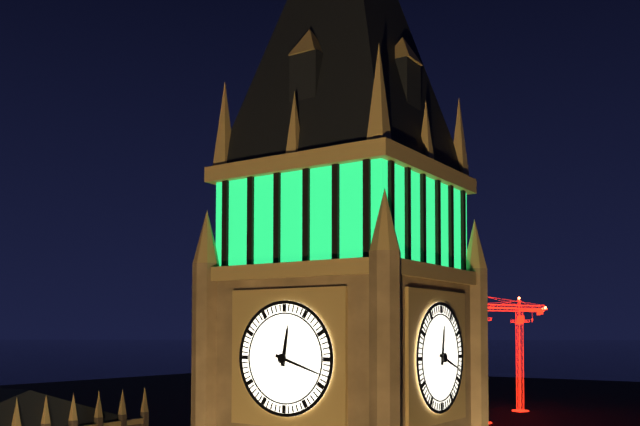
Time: h=12 m=18
